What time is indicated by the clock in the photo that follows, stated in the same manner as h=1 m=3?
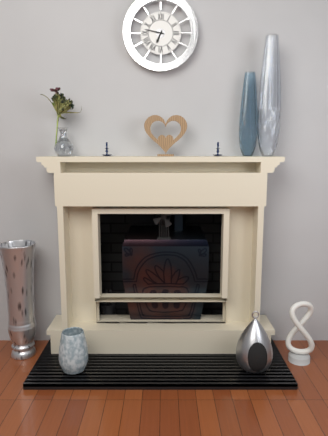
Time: h=6 m=47
